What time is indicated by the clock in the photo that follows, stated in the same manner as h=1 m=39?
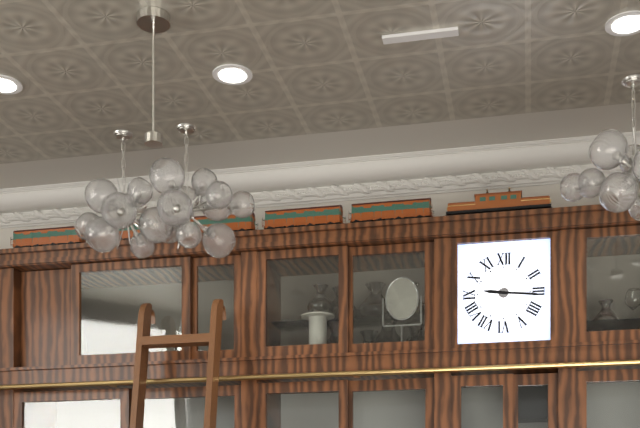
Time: h=9 m=16
